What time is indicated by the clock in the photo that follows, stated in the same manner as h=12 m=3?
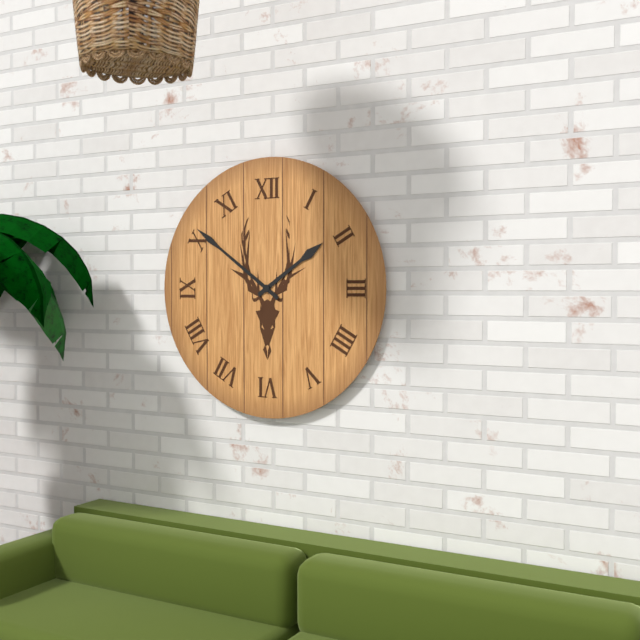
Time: h=1 m=51
